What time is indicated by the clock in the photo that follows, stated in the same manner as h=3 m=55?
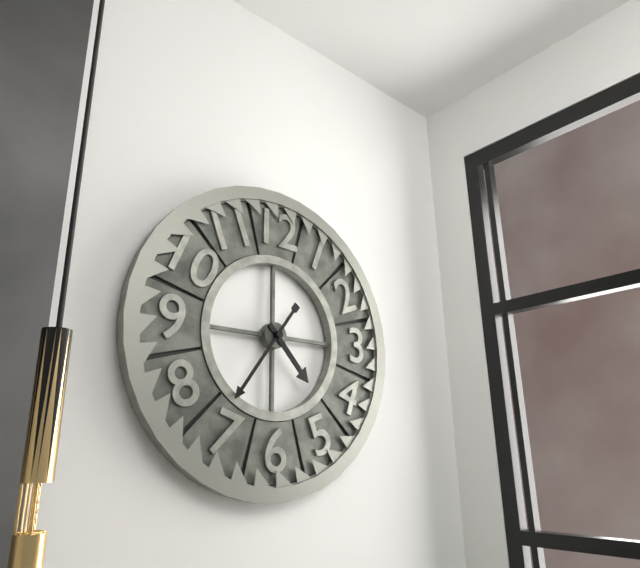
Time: h=4 m=36
